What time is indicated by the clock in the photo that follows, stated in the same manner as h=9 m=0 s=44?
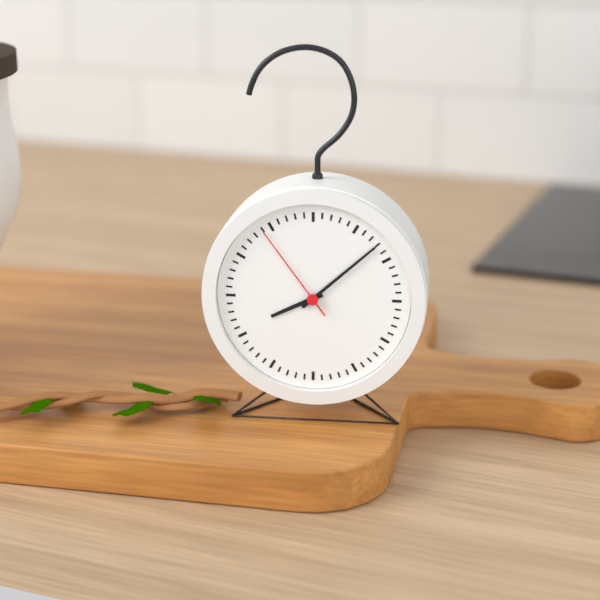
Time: h=8 m=8 s=54
